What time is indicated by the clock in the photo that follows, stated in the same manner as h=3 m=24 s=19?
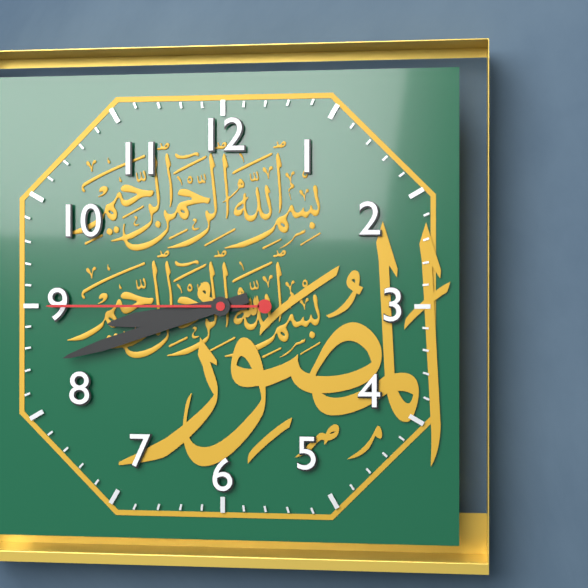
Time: h=8 m=42 s=45
